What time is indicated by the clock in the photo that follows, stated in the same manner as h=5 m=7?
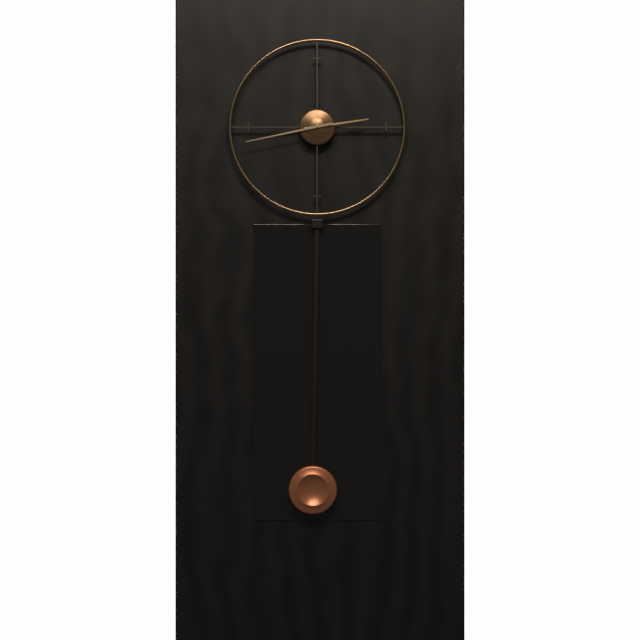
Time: h=2 m=43
